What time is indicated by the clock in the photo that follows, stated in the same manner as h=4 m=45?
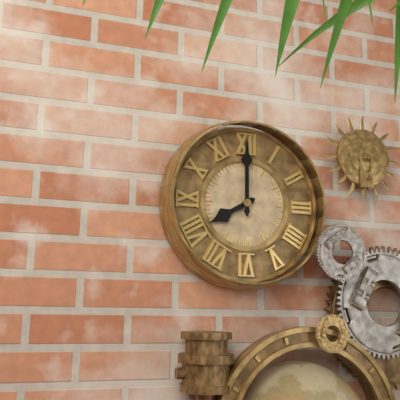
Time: h=8 m=0
